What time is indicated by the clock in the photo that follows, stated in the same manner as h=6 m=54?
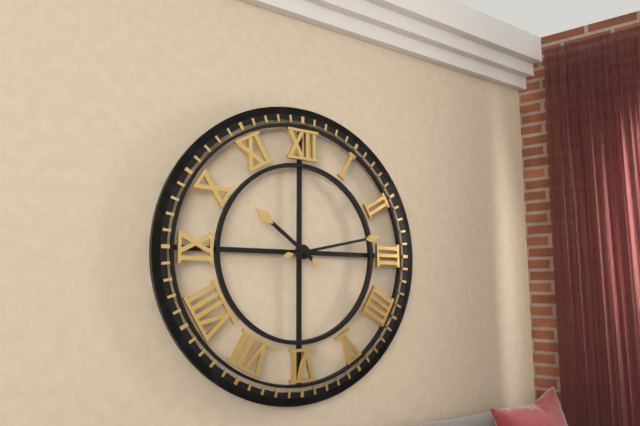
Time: h=10 m=13
